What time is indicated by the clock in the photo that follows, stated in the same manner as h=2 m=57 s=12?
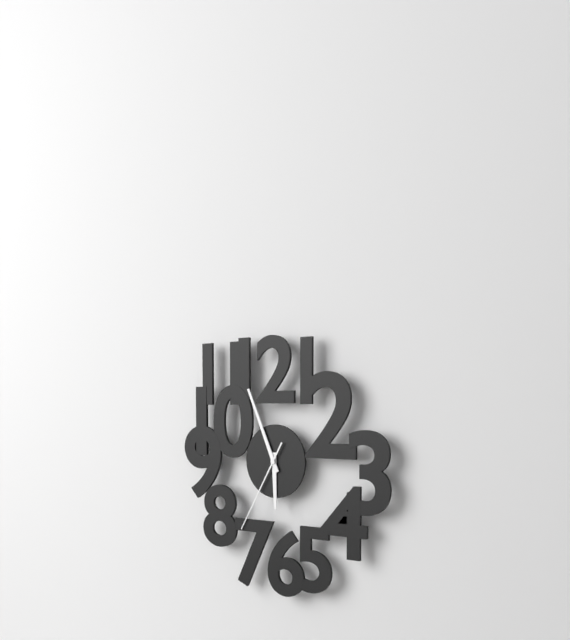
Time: h=5 m=56 s=35
